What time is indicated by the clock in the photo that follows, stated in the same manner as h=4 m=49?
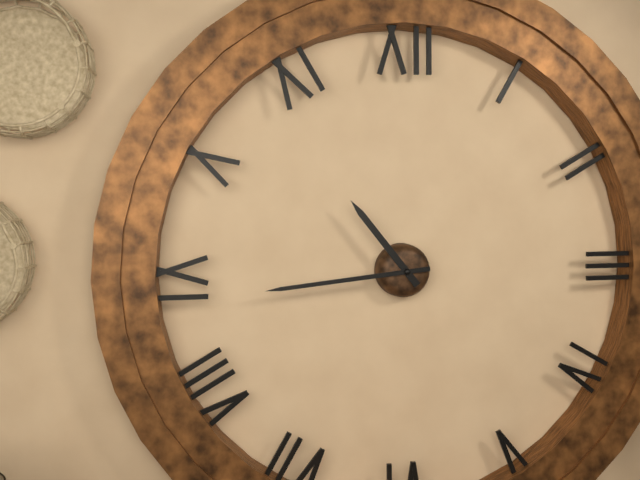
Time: h=10 m=44
